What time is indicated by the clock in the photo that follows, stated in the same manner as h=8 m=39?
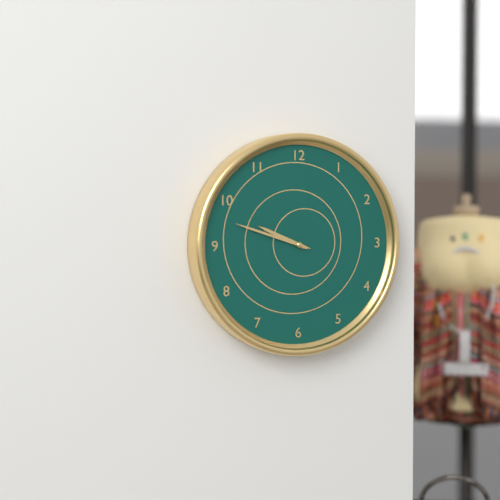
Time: h=9 m=48
